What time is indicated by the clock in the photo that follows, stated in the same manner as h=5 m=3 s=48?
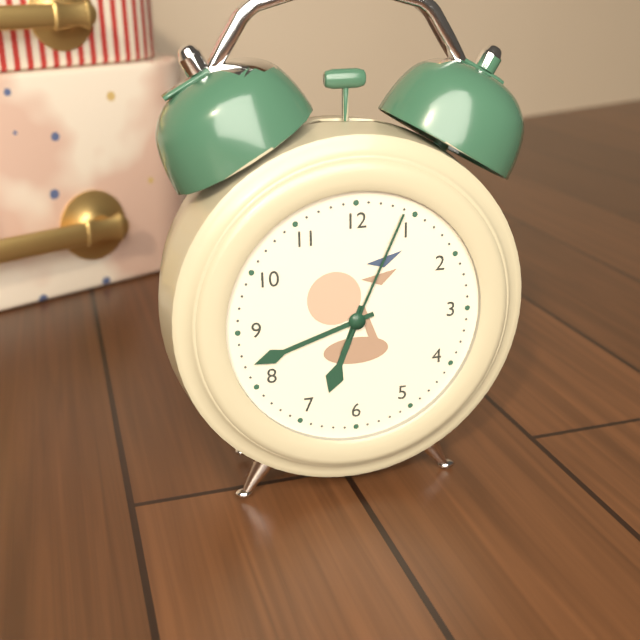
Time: h=6 m=42 s=4
